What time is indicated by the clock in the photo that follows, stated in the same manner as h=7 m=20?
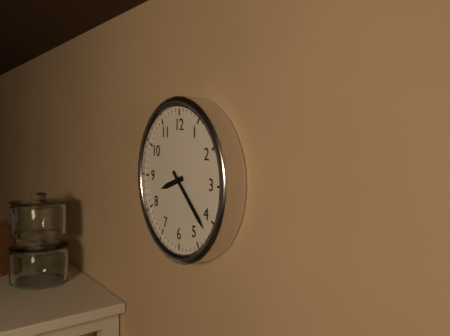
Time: h=8 m=22
